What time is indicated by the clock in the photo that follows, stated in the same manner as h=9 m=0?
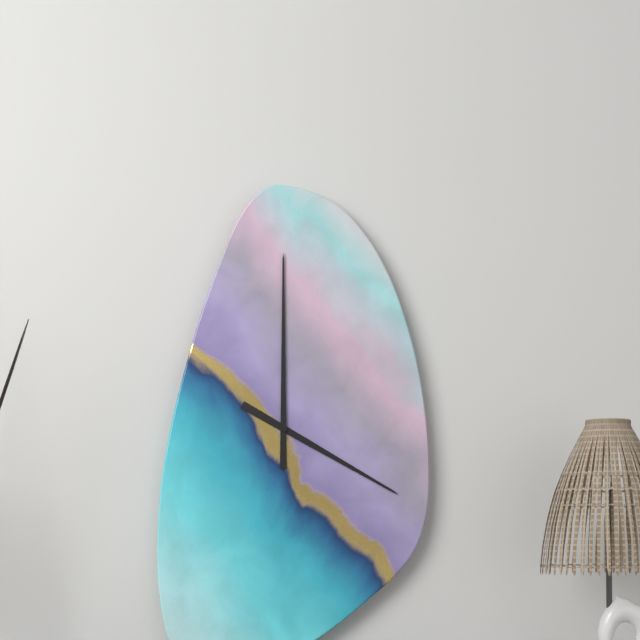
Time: h=4 m=0
